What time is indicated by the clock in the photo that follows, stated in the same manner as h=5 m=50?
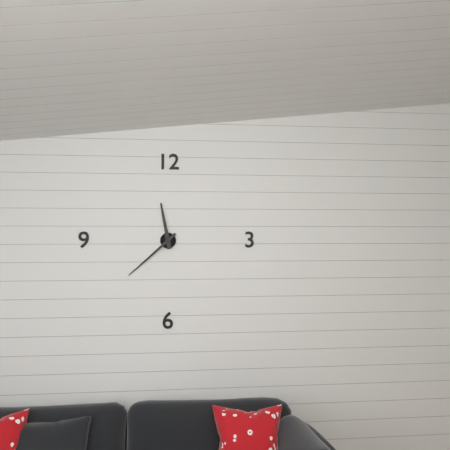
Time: h=11 m=38
